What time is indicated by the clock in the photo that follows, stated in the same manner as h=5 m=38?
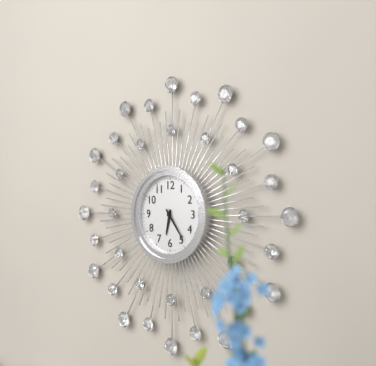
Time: h=6 m=24
